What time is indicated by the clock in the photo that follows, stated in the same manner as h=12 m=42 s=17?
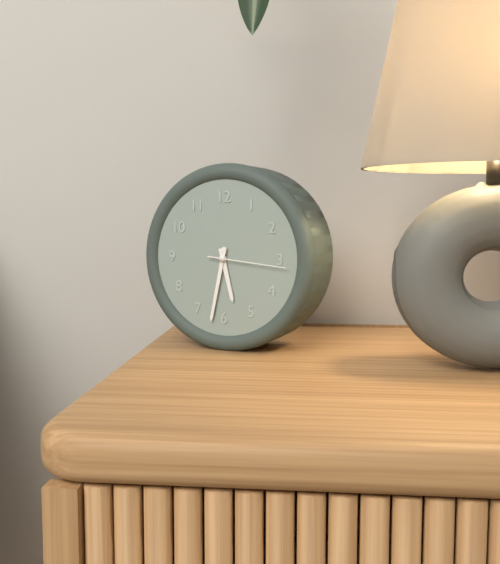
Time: h=5 m=32 s=16
